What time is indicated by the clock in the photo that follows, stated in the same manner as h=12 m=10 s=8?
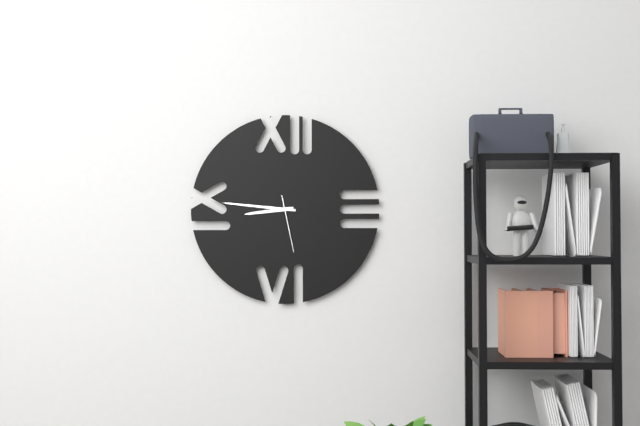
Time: h=8 m=46 s=28
